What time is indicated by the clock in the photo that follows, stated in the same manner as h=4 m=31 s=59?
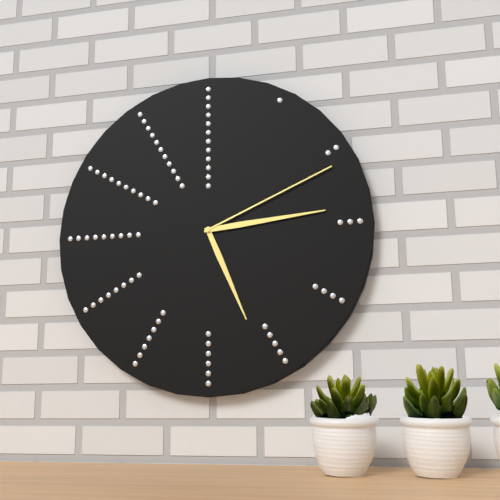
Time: h=5 m=14 s=11
